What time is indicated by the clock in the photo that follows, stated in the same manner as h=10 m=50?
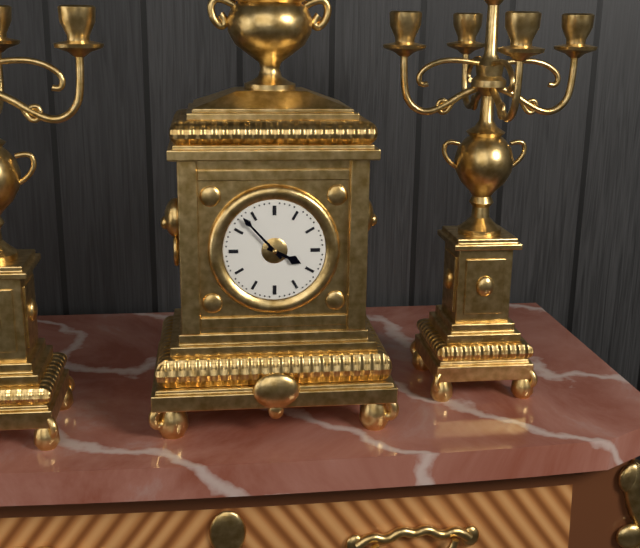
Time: h=3 m=53
